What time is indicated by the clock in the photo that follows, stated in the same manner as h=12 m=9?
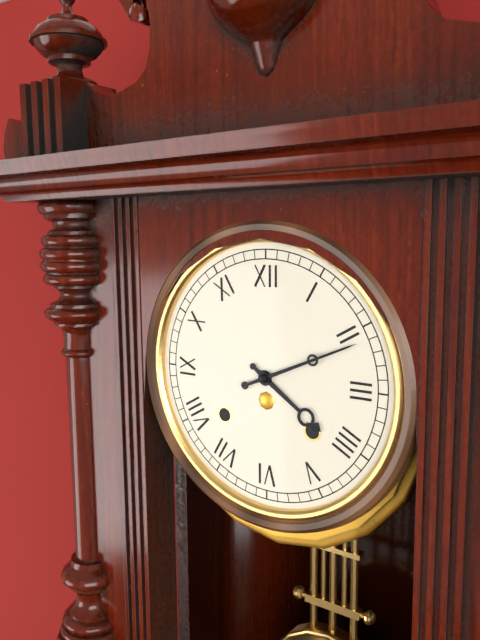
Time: h=4 m=11
